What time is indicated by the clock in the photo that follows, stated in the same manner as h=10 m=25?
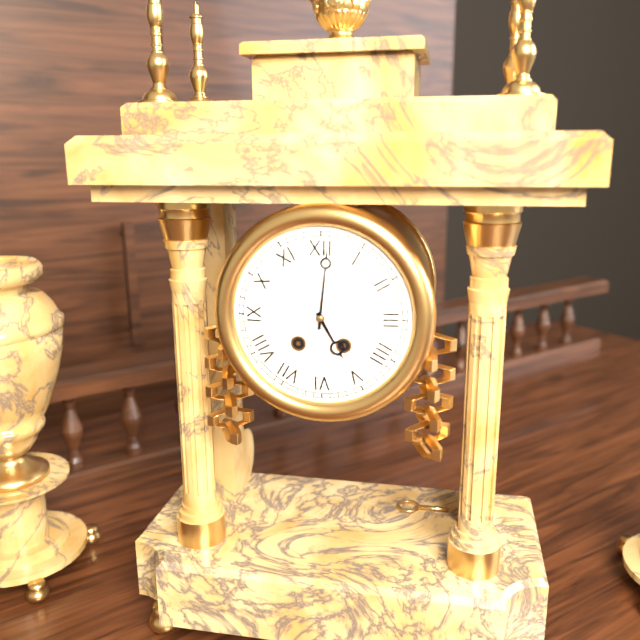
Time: h=5 m=1
